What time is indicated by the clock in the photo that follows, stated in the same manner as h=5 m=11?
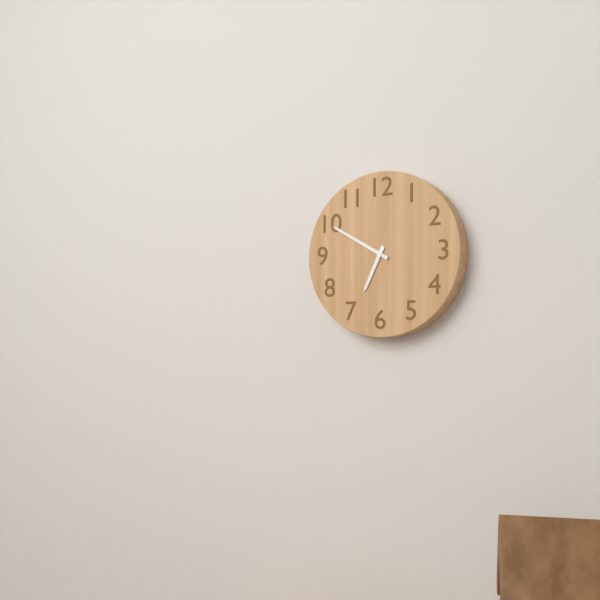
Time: h=6 m=50
